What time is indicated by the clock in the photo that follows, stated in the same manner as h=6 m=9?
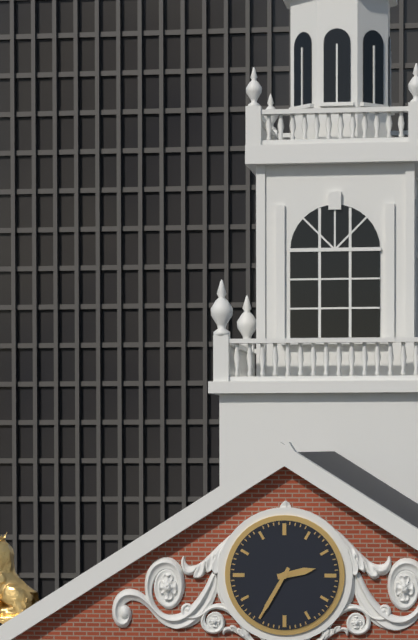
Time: h=2 m=35
